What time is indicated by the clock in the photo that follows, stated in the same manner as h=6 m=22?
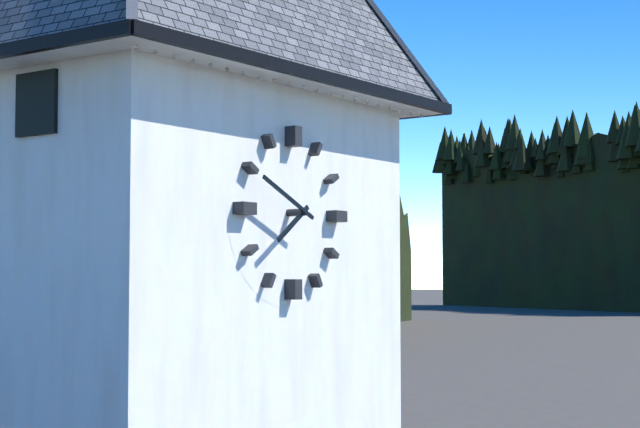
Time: h=7 m=49
